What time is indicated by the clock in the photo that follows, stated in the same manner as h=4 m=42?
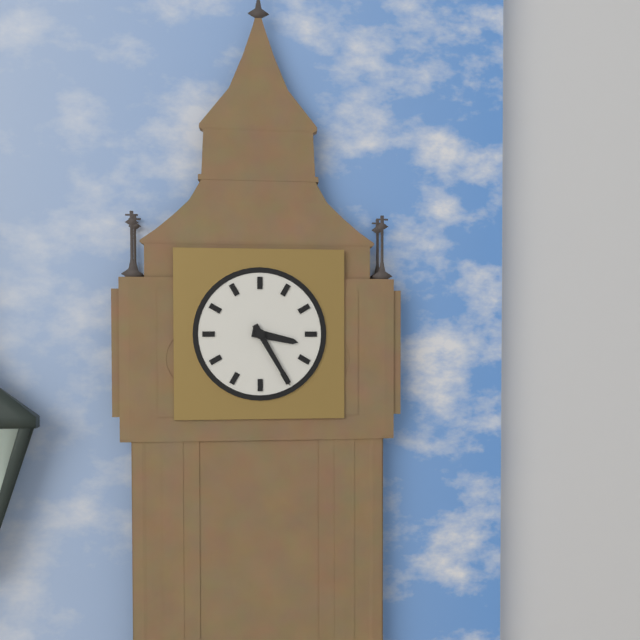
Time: h=3 m=25
